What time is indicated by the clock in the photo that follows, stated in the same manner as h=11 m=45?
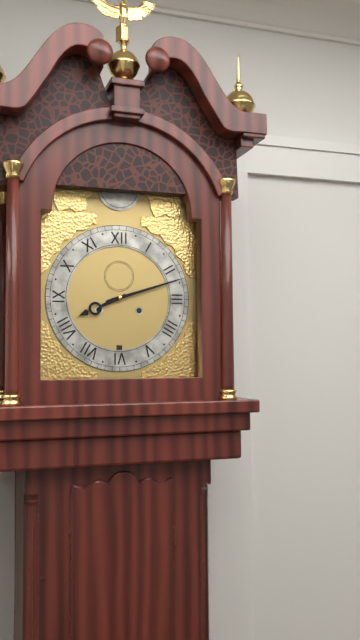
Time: h=8 m=12
